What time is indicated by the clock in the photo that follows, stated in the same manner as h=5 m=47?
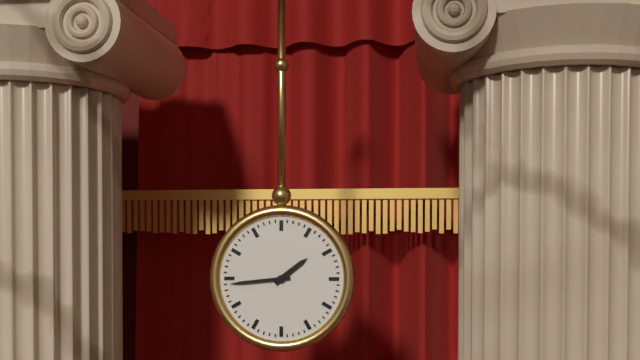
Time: h=1 m=44
